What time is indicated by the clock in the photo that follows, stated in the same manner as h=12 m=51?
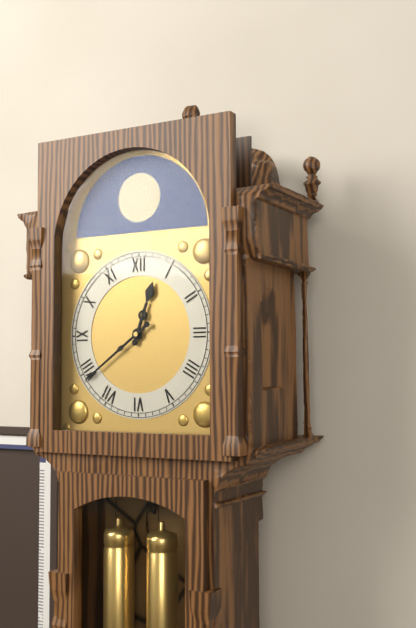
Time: h=12 m=39
